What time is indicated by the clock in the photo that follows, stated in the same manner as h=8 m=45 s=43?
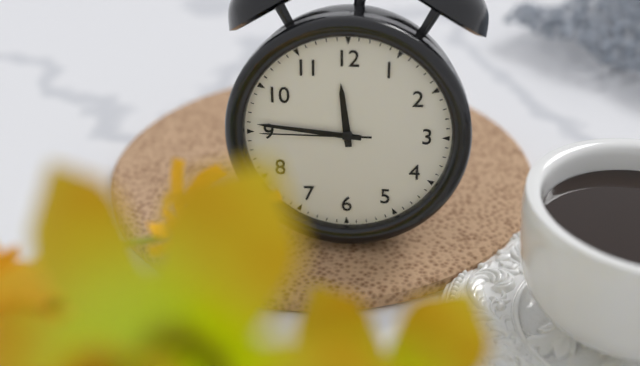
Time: h=11 m=46 s=45
